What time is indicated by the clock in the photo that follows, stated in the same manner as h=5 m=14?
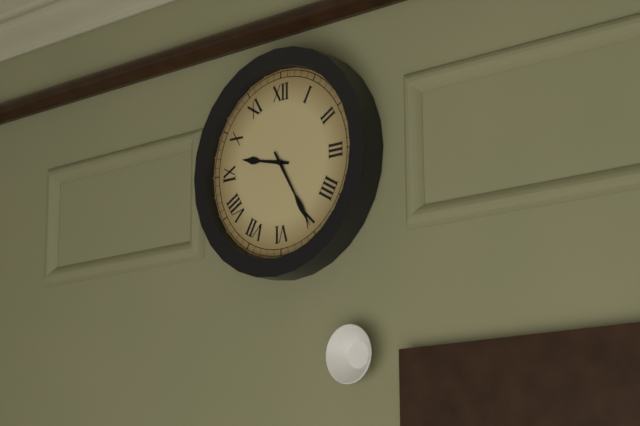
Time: h=9 m=25
